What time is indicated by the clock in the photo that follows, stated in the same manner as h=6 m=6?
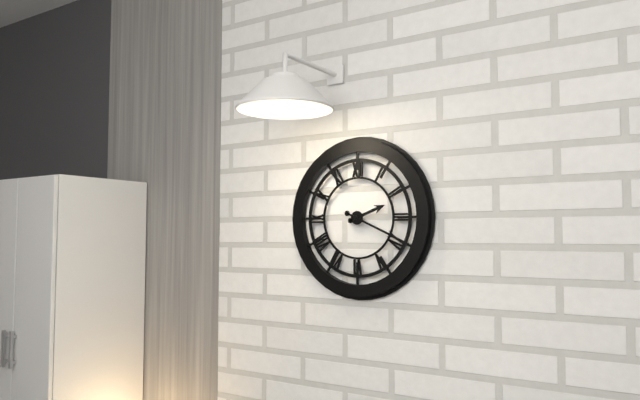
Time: h=2 m=19
